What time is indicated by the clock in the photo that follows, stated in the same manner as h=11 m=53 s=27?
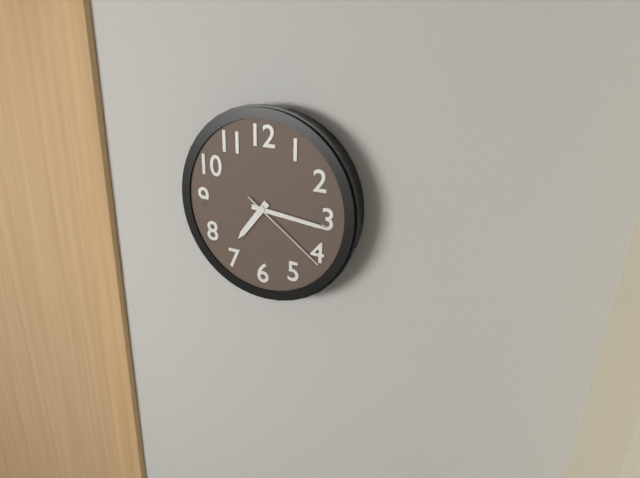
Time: h=7 m=16 s=21
